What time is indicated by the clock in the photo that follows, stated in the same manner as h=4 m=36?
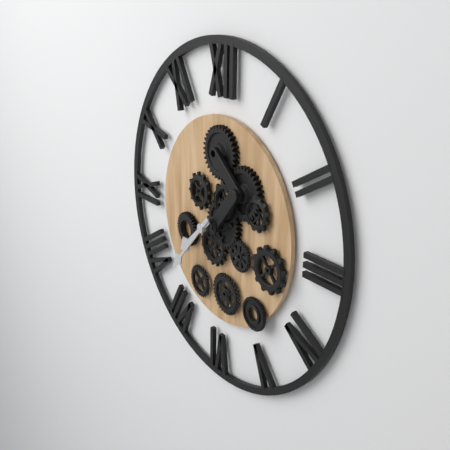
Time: h=7 m=37
